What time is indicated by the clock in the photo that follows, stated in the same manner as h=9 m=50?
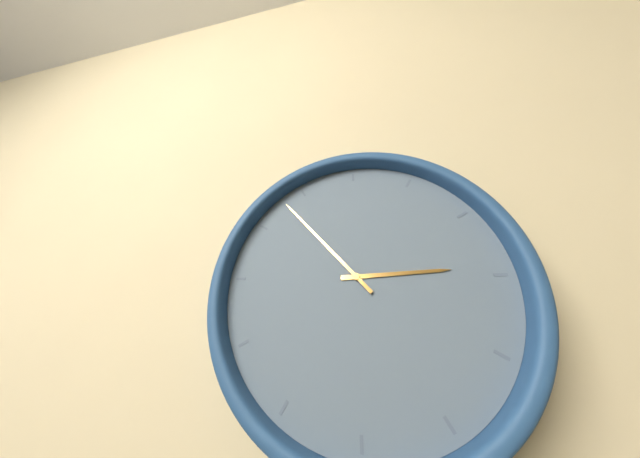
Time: h=2 m=53
